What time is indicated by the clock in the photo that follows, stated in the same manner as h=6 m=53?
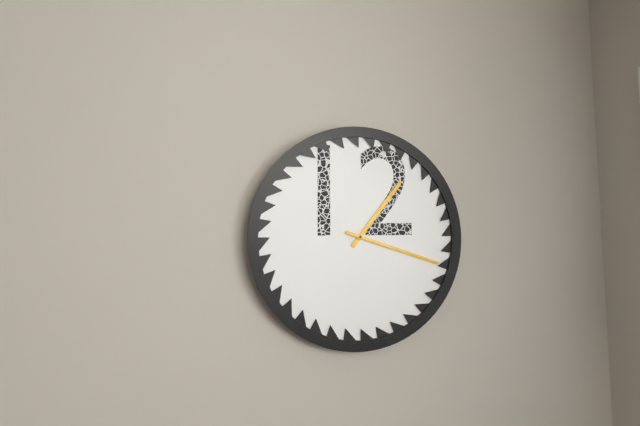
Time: h=1 m=18
